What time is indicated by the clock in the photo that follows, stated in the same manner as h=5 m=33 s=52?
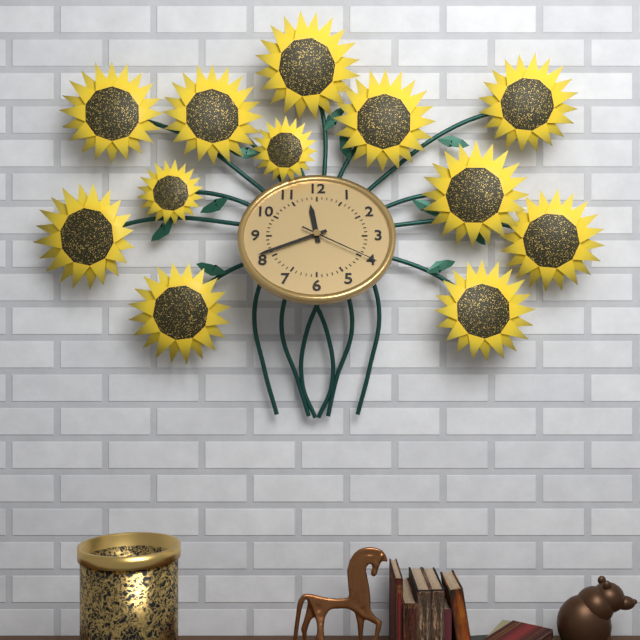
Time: h=11 m=41 s=20
